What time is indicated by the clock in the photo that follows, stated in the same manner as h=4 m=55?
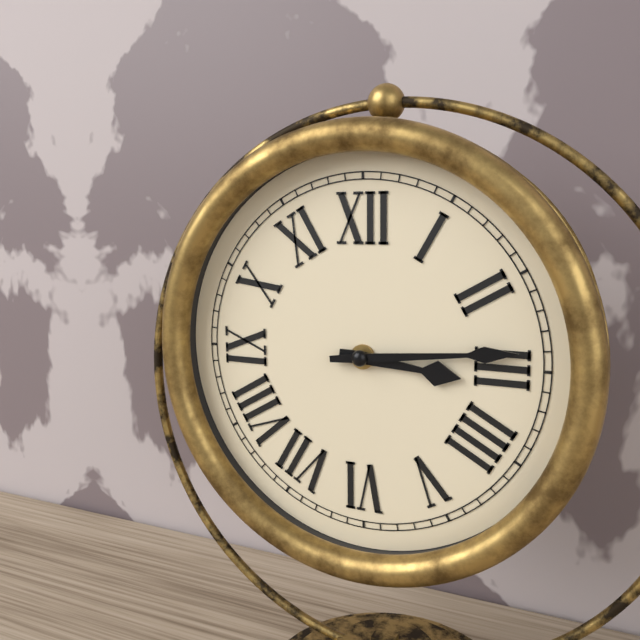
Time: h=3 m=14
